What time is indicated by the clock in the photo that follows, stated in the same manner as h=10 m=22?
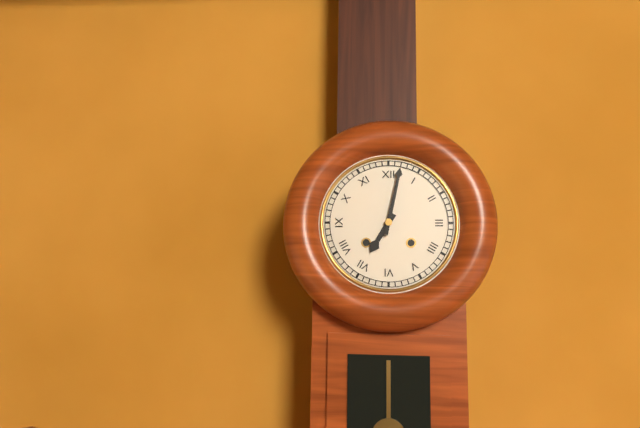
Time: h=7 m=2
